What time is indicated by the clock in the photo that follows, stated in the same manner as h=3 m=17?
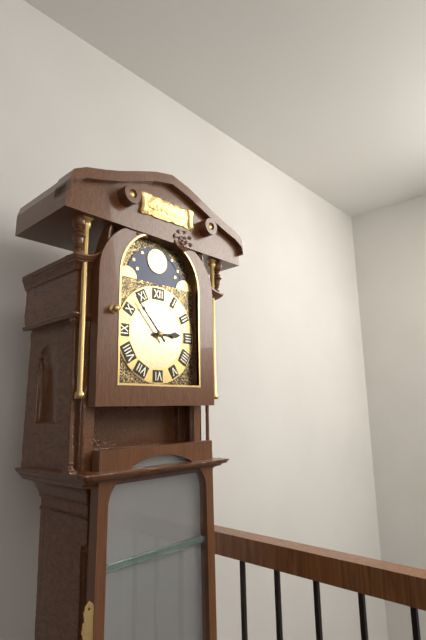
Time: h=2 m=53
